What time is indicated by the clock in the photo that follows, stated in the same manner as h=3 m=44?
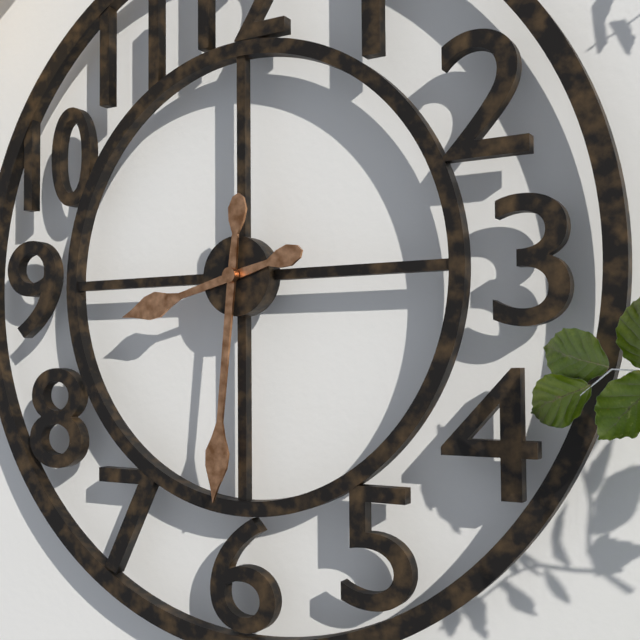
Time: h=8 m=31
